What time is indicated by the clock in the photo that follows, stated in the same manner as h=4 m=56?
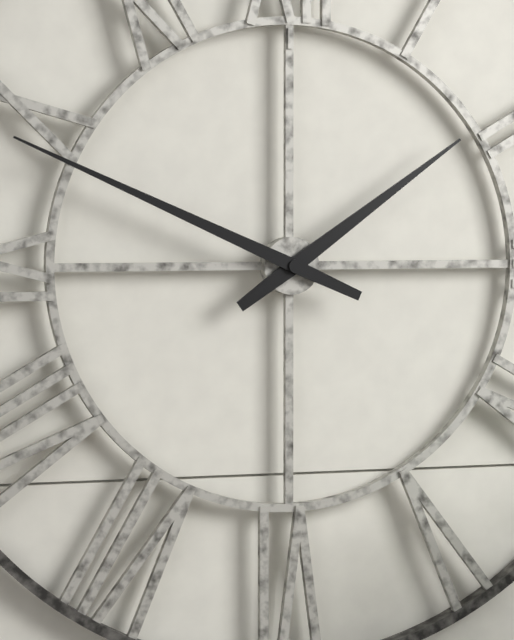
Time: h=1 m=49
